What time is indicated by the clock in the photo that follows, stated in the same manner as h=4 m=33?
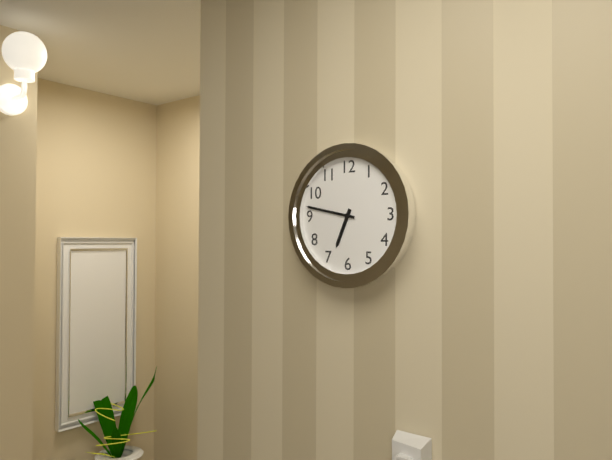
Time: h=6 m=47
